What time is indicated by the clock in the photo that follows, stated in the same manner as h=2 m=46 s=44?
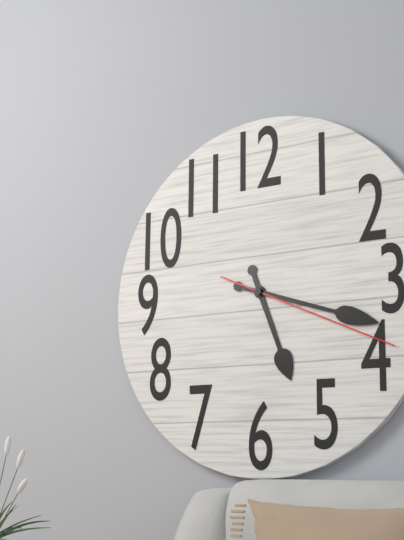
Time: h=5 m=18 s=19
